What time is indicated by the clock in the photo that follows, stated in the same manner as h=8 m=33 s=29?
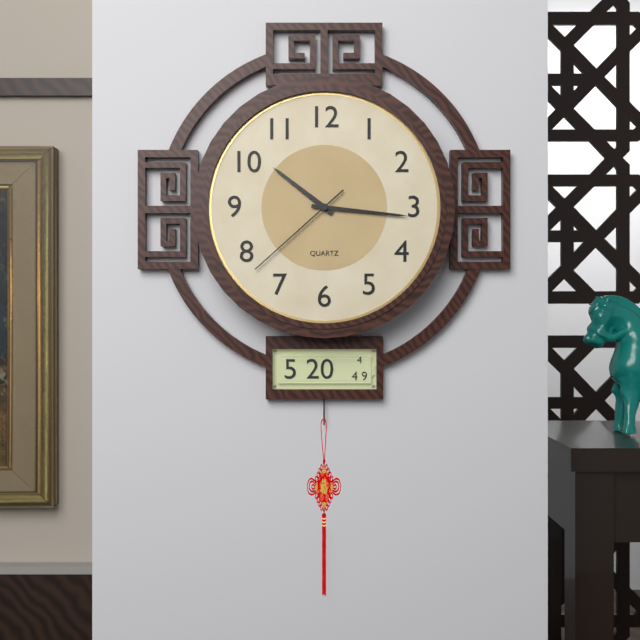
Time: h=10 m=16 s=38
